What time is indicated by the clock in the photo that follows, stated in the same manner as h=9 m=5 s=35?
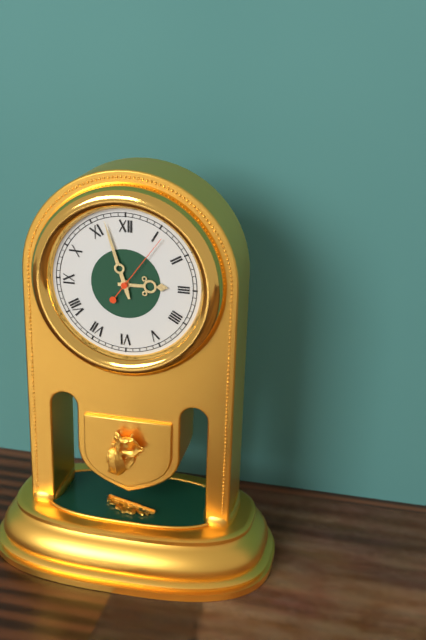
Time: h=2 m=57 s=6
